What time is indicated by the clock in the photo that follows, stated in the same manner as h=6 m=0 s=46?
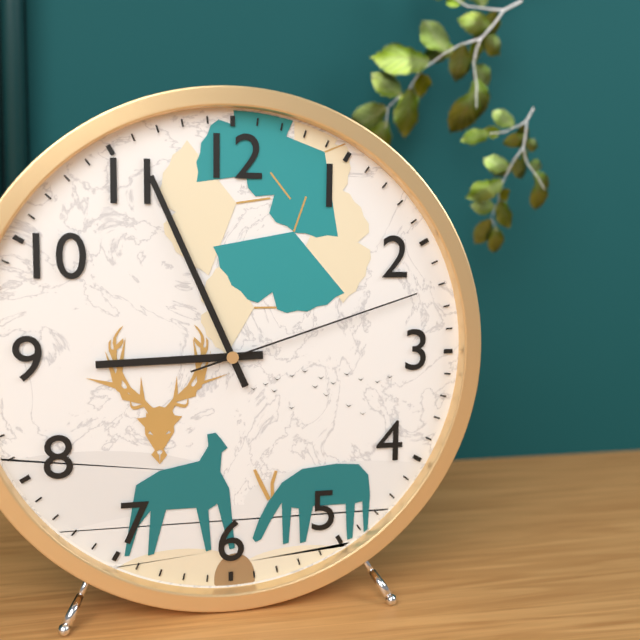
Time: h=8 m=56 s=12
